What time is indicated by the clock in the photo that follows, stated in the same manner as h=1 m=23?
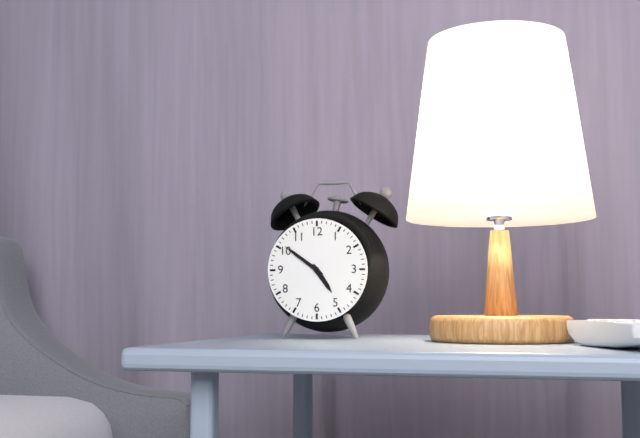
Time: h=4 m=51
